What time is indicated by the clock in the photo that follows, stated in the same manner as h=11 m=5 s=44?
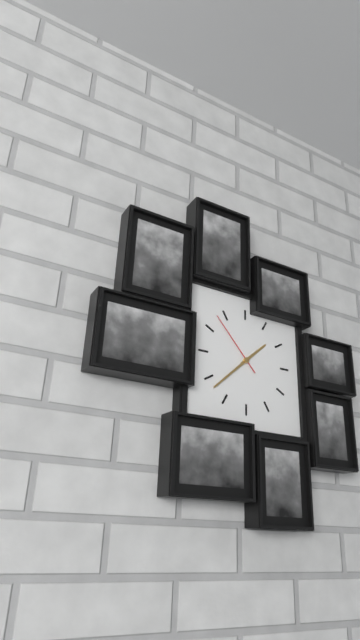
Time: h=1 m=38 s=53
